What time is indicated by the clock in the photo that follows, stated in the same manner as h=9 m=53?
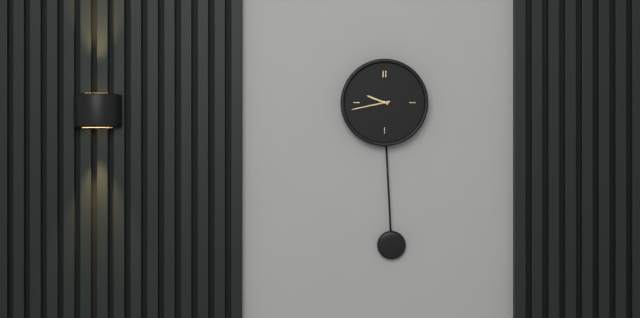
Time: h=9 m=43
